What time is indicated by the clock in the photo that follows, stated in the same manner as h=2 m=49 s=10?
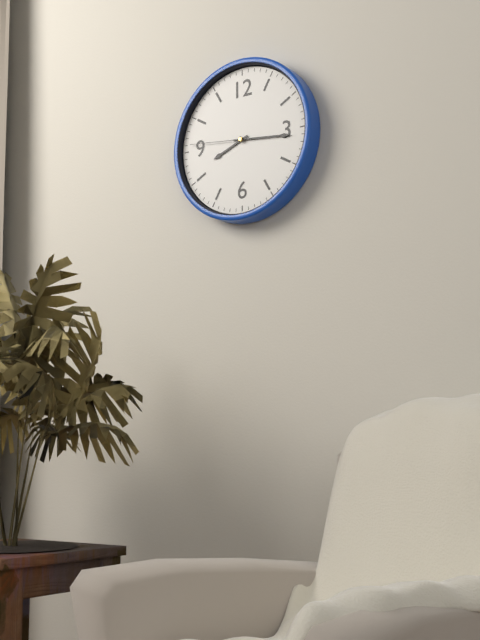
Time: h=8 m=16 s=46
